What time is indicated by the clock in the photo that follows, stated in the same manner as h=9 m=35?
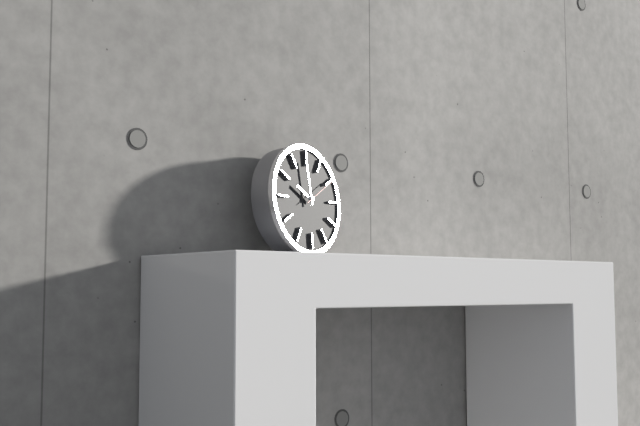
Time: h=9 m=59
